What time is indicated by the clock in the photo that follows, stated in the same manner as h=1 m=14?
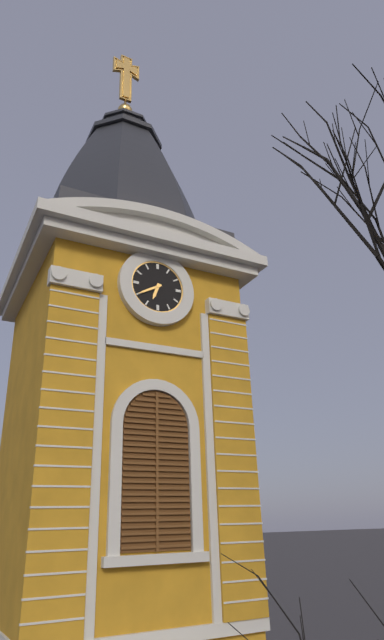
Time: h=6 m=40
